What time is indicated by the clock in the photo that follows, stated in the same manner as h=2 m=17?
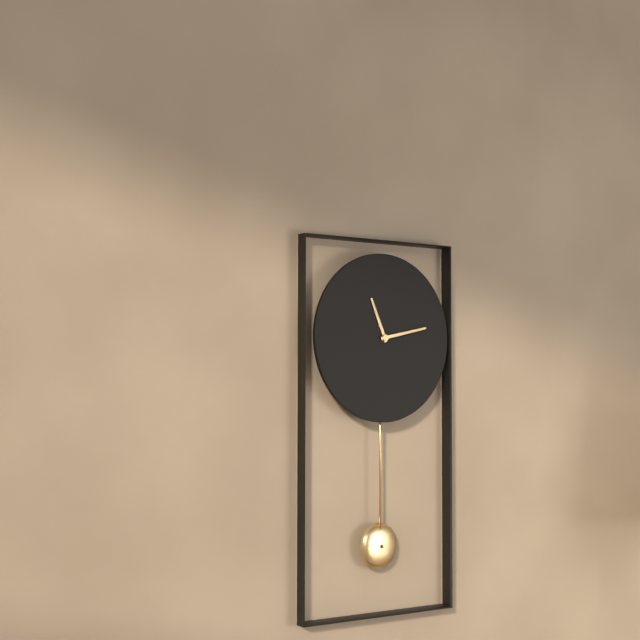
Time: h=11 m=13
